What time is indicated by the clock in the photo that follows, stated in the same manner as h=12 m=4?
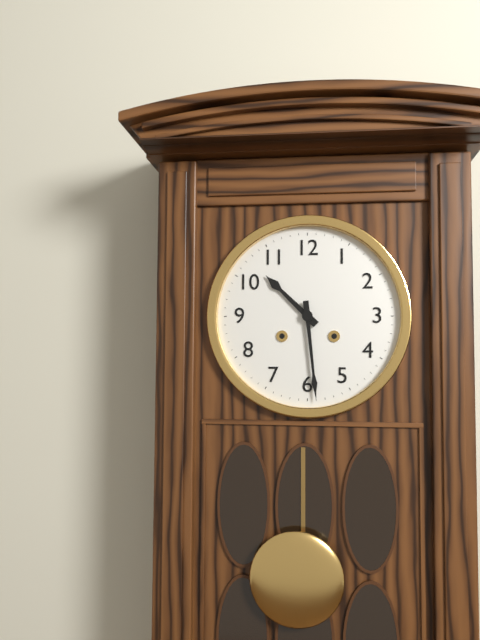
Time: h=10 m=29
